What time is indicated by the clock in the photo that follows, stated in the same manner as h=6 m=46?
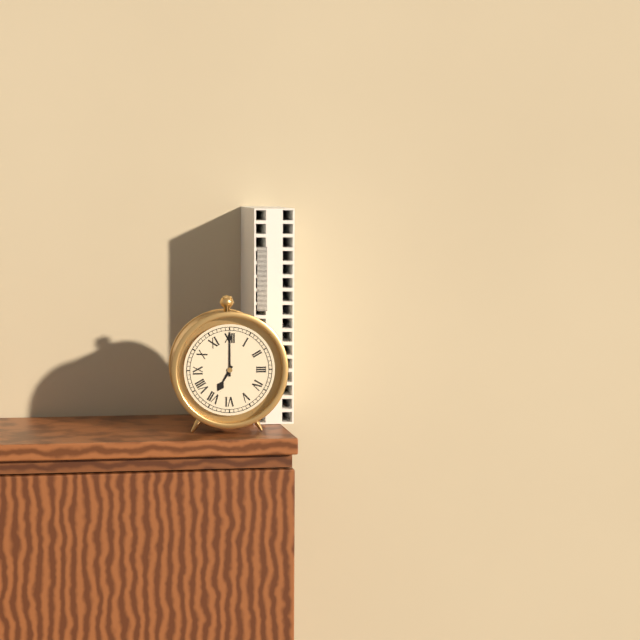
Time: h=7 m=0
